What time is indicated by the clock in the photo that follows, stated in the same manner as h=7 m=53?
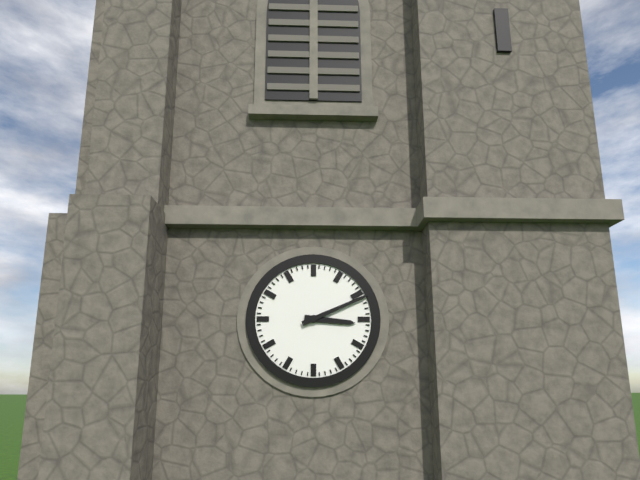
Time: h=3 m=11
